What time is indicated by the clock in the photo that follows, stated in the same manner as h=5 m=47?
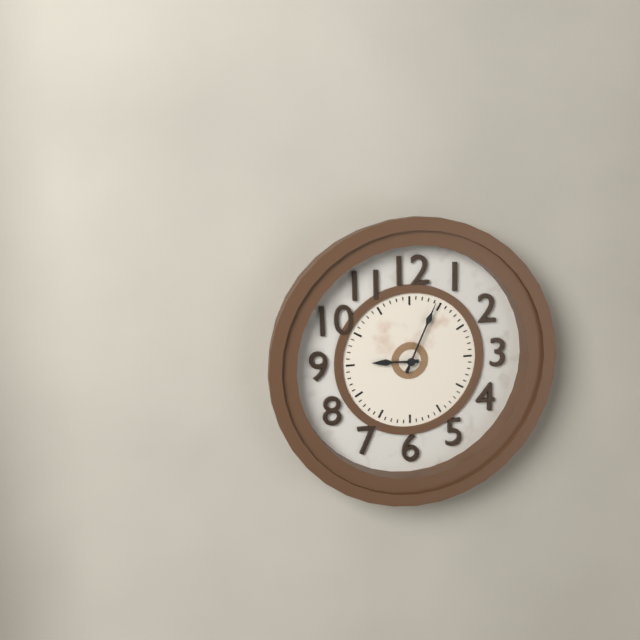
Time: h=9 m=4
